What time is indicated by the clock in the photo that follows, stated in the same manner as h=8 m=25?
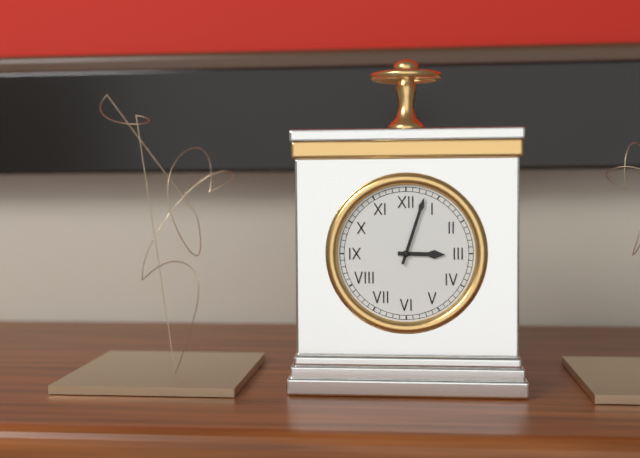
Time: h=3 m=3
